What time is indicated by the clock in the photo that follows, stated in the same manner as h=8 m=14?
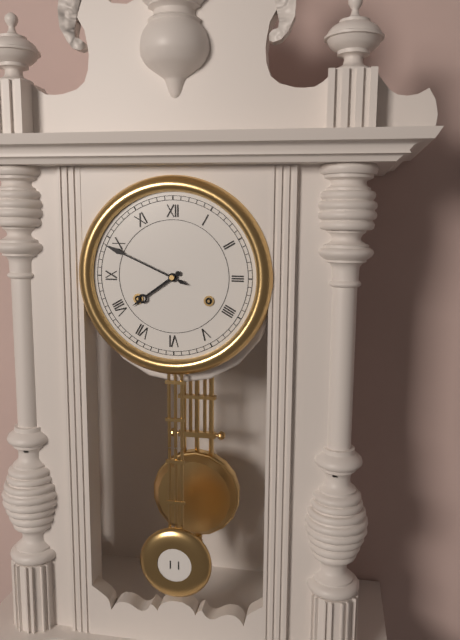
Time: h=7 m=49
